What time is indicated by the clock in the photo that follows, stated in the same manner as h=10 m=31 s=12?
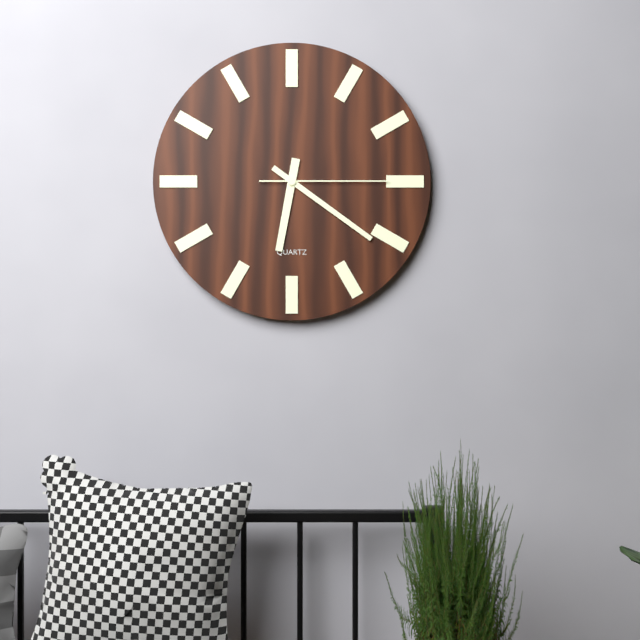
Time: h=6 m=21 s=15
